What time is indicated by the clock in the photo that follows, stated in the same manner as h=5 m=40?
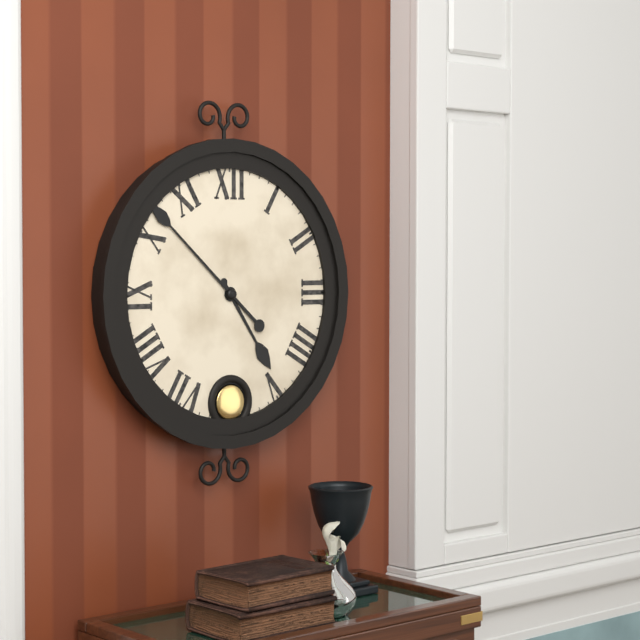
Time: h=4 m=52
